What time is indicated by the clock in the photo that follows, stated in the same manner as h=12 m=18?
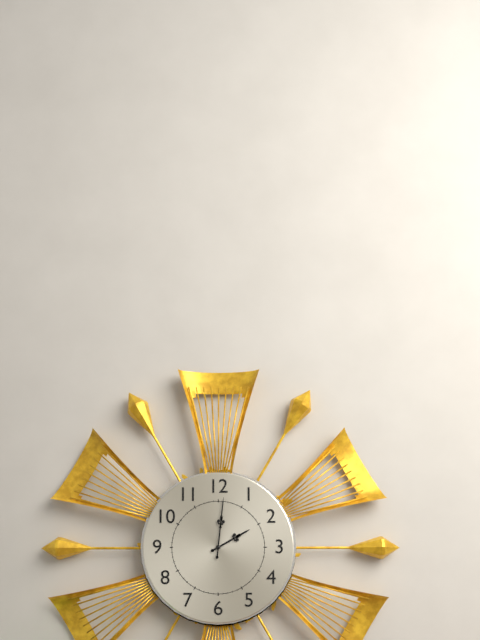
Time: h=2 m=1
